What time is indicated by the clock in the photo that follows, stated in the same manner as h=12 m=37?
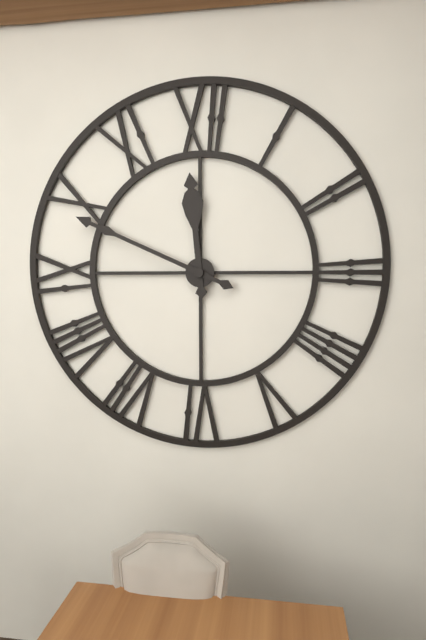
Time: h=11 m=49
